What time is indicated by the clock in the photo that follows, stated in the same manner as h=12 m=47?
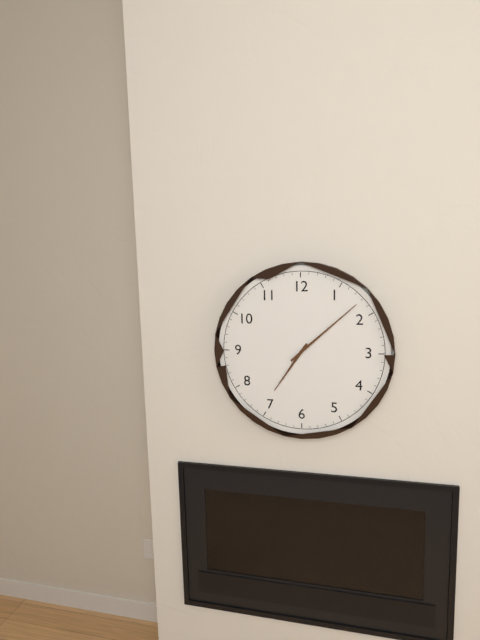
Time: h=7 m=8
